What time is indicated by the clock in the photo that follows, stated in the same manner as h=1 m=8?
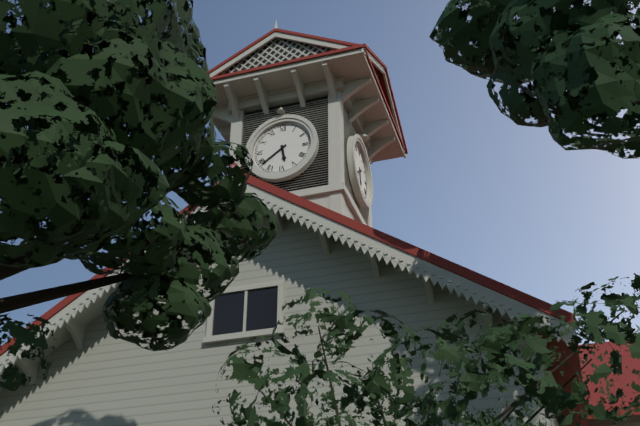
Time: h=5 m=39
